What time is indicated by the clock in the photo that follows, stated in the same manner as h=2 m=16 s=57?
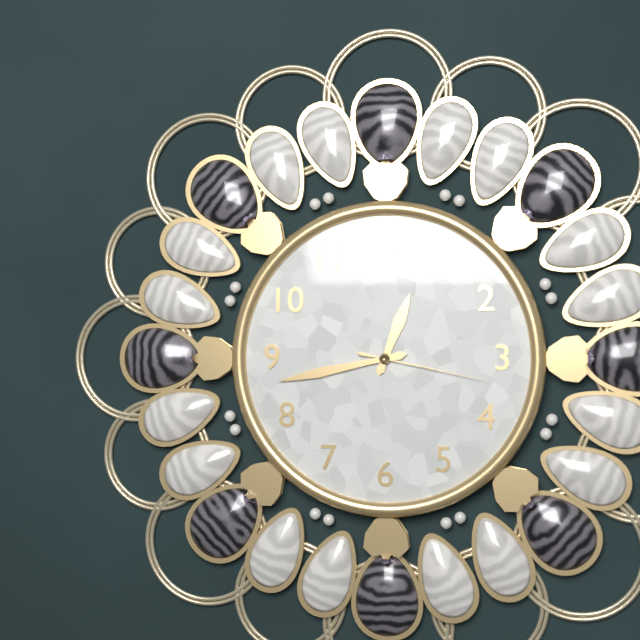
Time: h=12 m=43 s=17
